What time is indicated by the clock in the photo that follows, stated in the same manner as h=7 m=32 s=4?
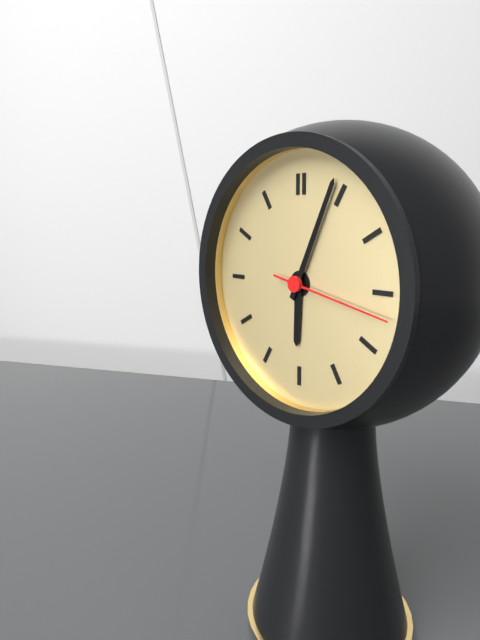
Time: h=6 m=4 s=17
